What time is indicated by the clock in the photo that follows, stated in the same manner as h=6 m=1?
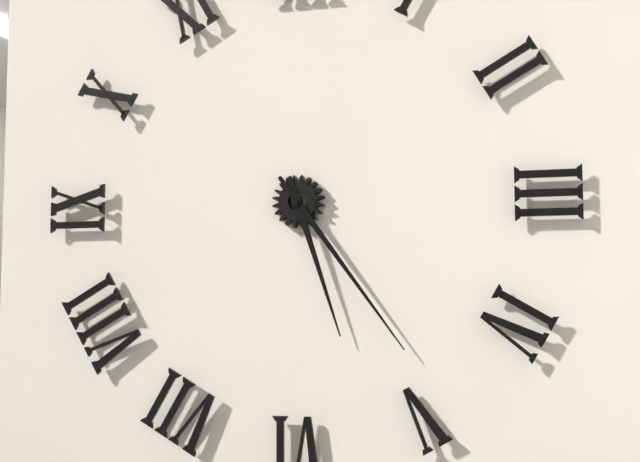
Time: h=5 m=24
